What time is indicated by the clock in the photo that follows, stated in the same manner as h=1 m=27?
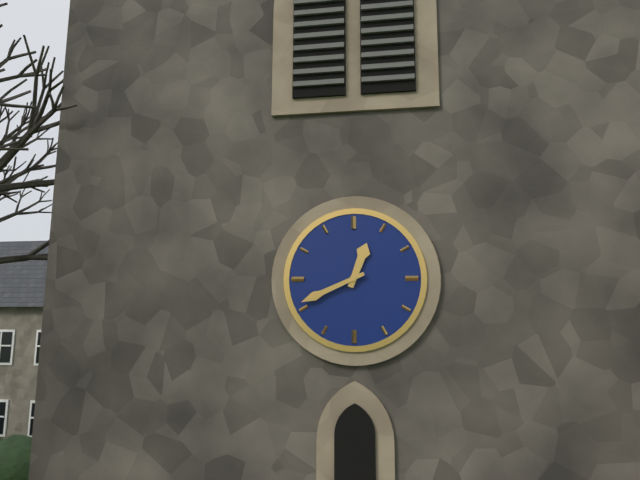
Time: h=12 m=41
